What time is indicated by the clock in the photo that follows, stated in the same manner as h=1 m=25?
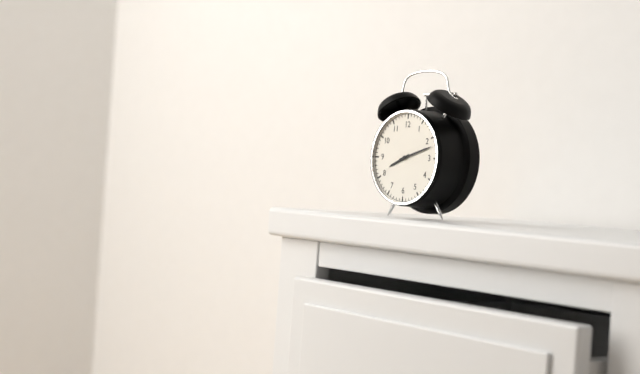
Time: h=8 m=12
